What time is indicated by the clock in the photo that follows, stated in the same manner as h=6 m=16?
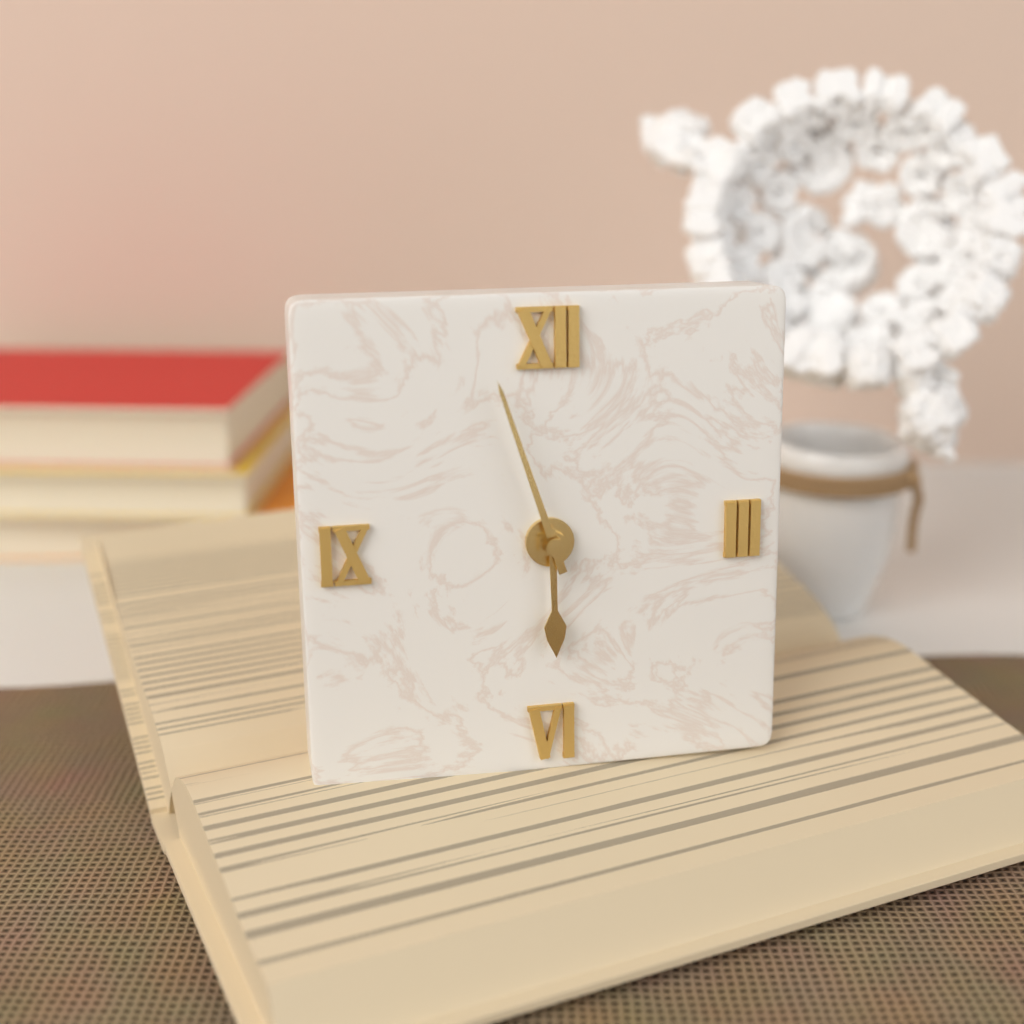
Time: h=5 m=57
